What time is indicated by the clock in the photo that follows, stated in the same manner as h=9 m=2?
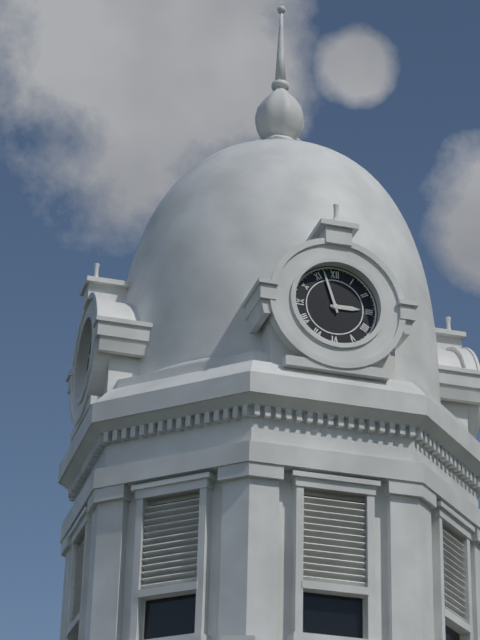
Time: h=2 m=57
